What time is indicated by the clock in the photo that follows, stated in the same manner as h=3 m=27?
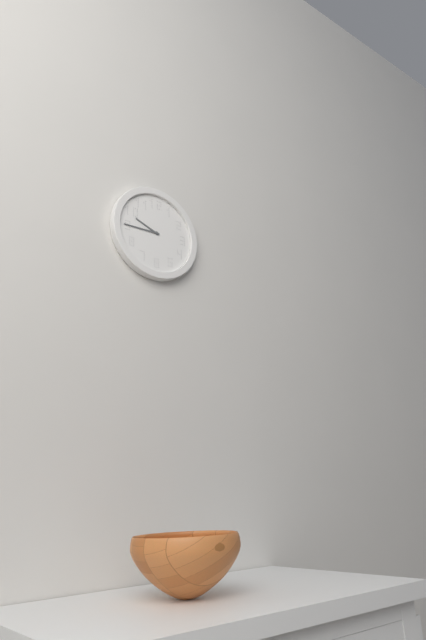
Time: h=9 m=45
